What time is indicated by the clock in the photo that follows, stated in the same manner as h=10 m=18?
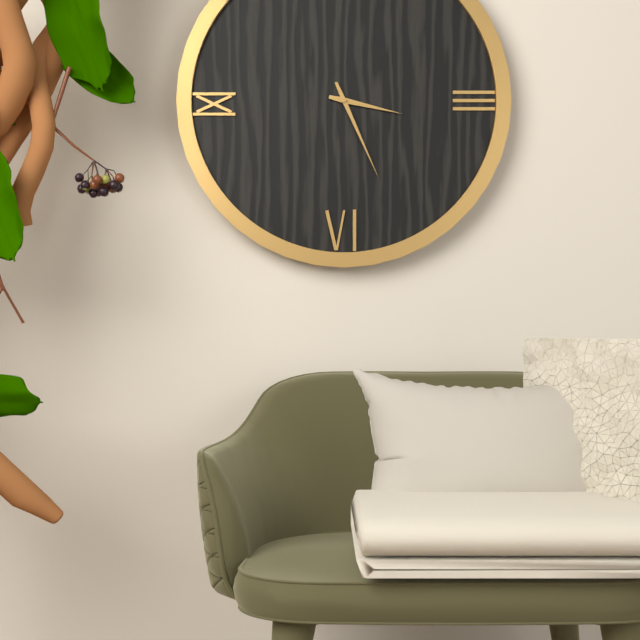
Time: h=3 m=26
